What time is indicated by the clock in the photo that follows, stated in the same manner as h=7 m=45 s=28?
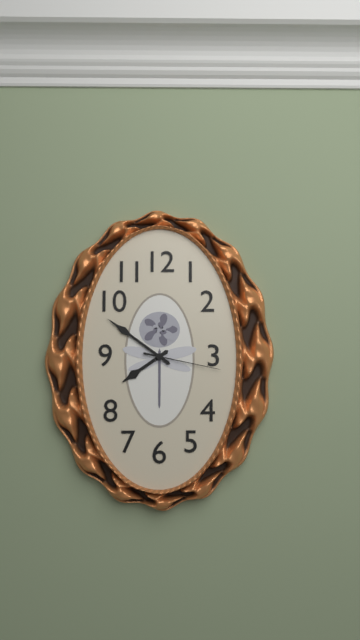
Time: h=7 m=51 s=17
